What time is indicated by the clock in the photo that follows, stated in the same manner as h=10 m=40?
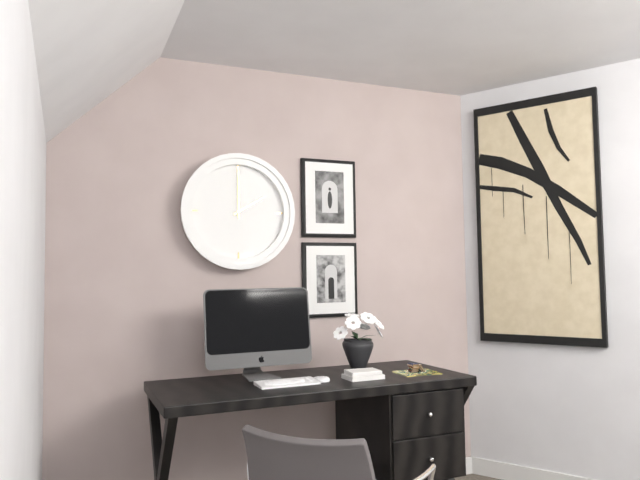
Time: h=2 m=0
